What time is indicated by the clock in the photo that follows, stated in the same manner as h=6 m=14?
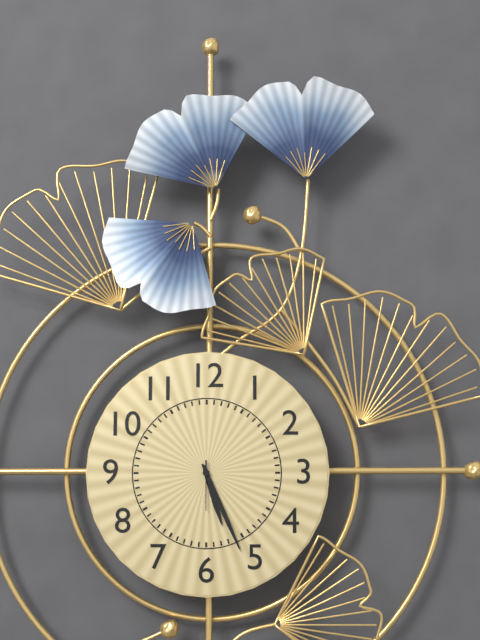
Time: h=5 m=26
